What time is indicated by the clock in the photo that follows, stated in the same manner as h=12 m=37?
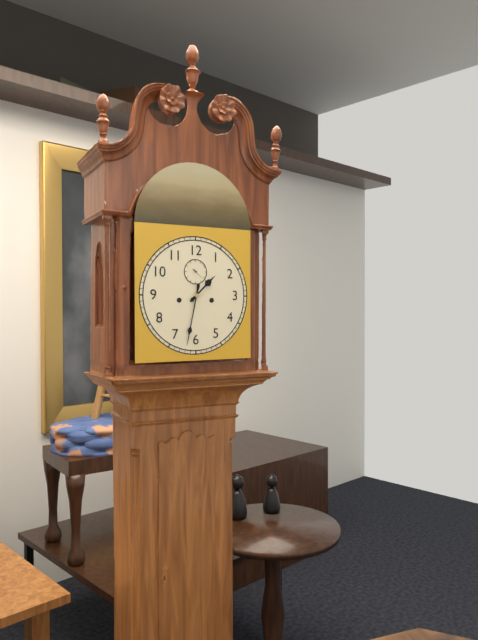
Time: h=1 m=32
